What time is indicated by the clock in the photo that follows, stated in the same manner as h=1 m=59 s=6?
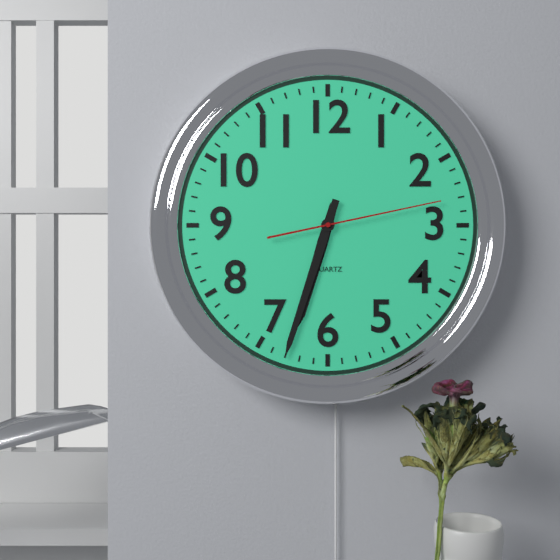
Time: h=6 m=33 s=13
